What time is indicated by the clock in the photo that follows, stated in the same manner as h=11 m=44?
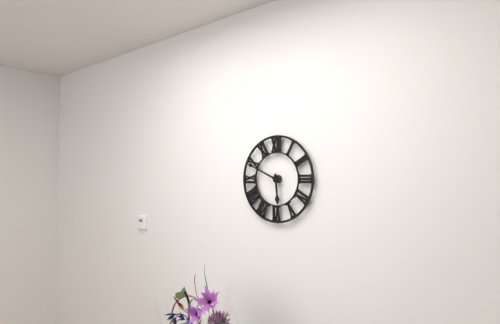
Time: h=5 m=49
